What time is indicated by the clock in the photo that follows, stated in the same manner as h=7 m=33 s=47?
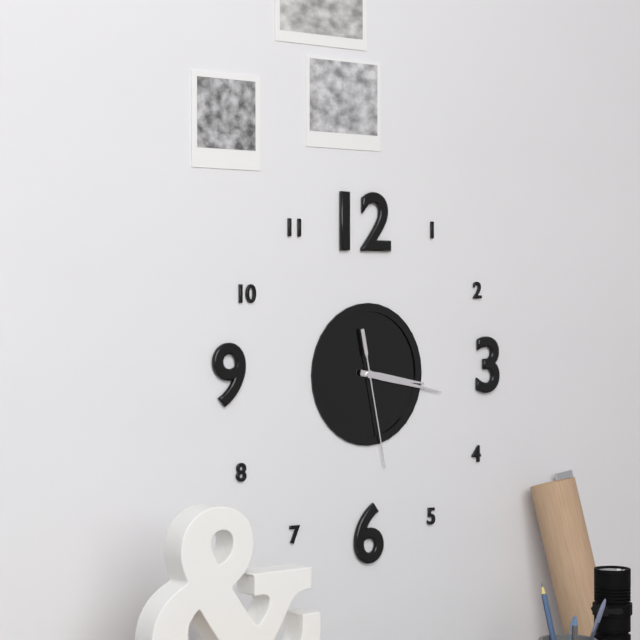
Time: h=3 m=17 s=28
